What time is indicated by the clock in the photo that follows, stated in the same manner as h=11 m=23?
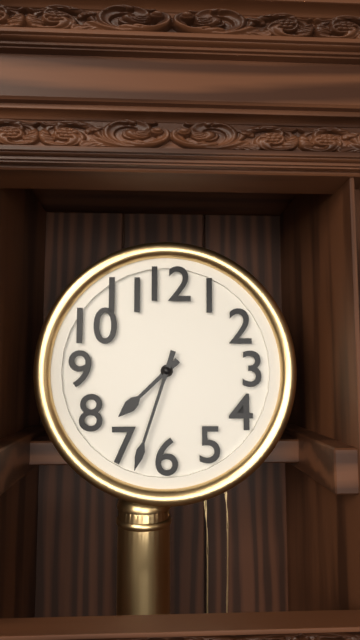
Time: h=7 m=33
